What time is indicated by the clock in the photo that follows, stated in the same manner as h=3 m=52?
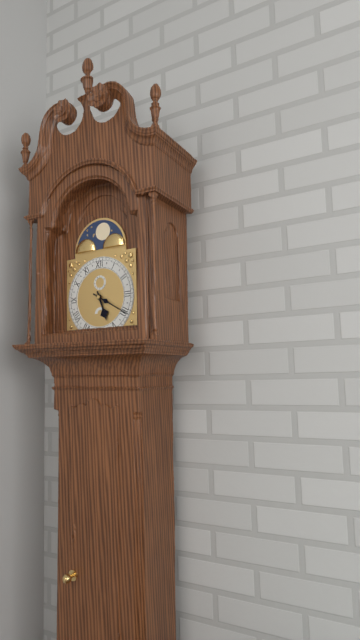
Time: h=5 m=20
